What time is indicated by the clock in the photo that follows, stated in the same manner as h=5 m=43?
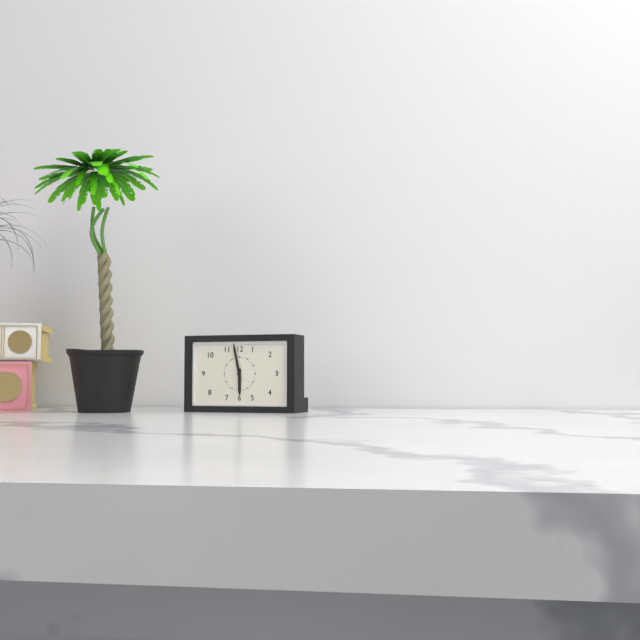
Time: h=5 m=58
